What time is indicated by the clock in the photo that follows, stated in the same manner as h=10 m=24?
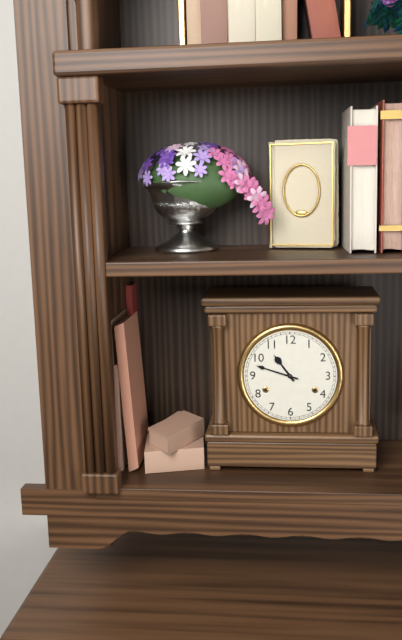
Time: h=10 m=48
